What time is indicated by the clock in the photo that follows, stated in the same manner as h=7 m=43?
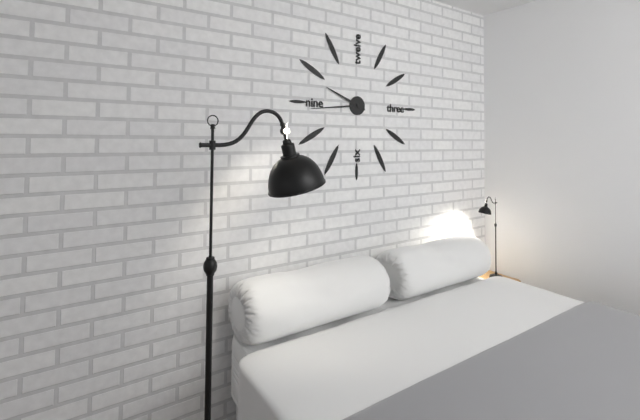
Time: h=9 m=44
